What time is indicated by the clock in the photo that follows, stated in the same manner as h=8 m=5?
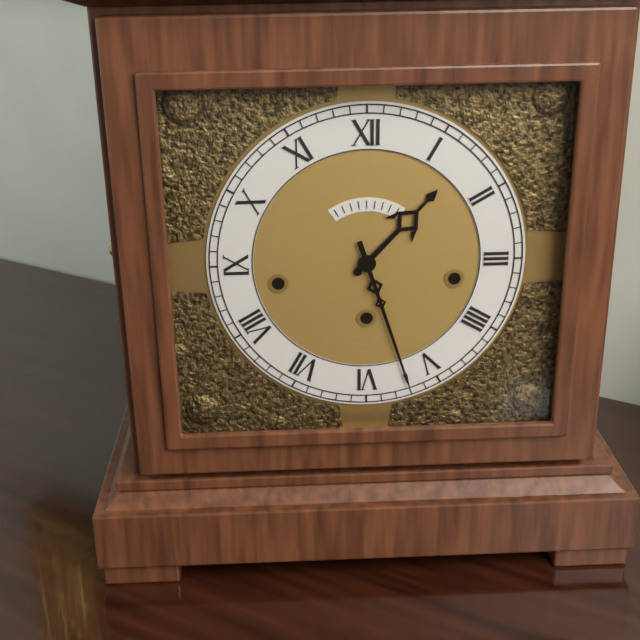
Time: h=1 m=27
